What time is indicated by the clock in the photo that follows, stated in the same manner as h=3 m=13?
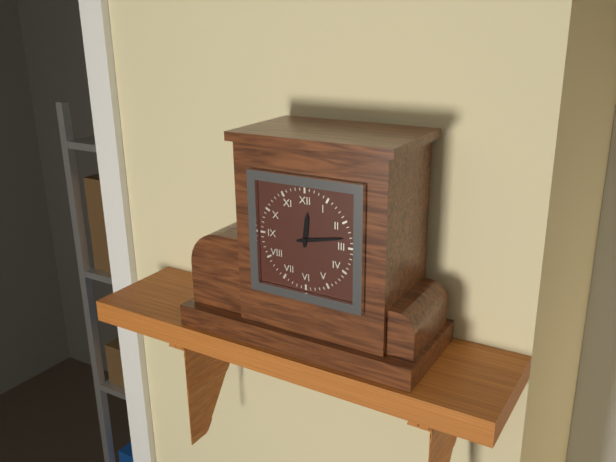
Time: h=12 m=13
